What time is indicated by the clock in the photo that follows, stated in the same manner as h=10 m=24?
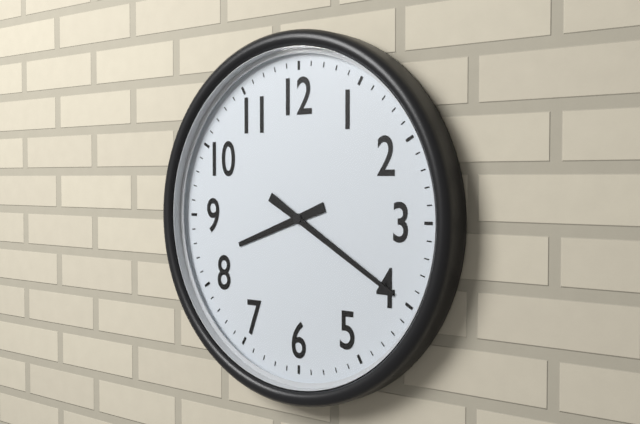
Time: h=8 m=20
